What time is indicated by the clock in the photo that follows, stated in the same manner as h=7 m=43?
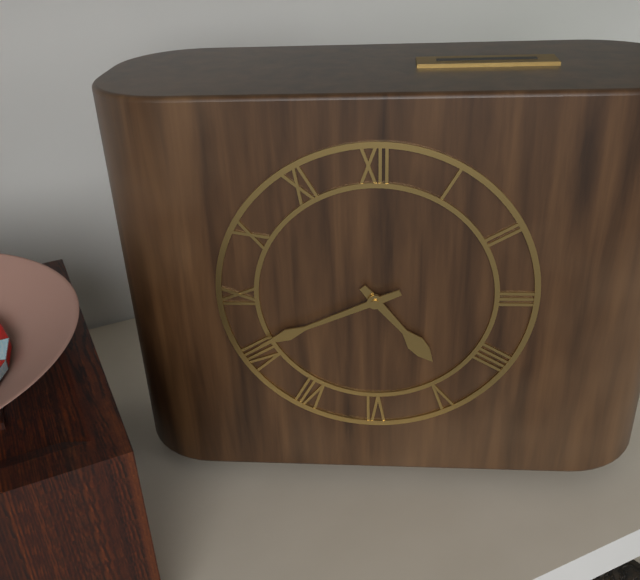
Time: h=4 m=41
